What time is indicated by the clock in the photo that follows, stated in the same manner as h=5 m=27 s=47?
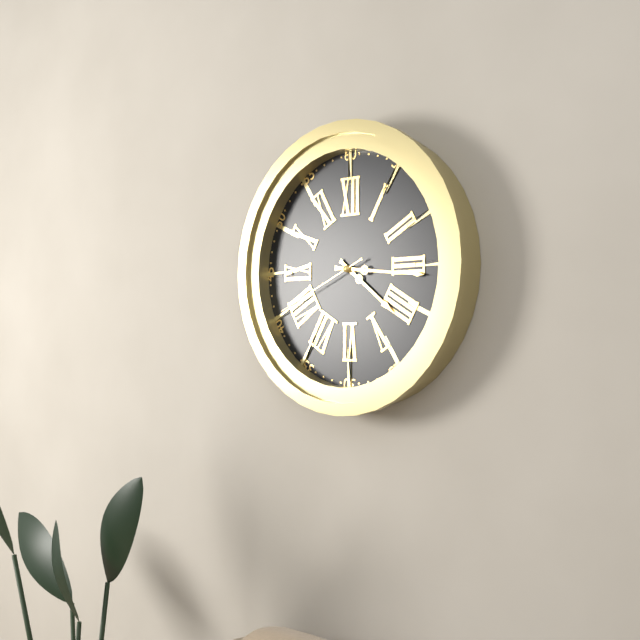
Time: h=4 m=16 s=41
